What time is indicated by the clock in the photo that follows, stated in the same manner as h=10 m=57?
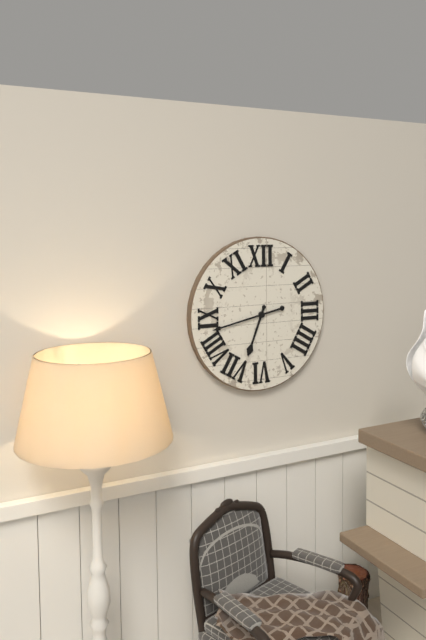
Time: h=6 m=43
